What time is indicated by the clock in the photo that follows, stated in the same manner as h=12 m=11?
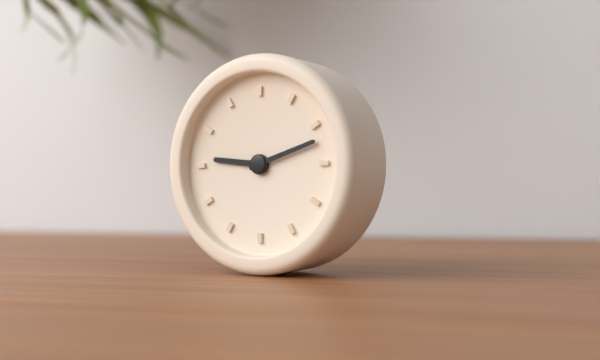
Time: h=9 m=12
